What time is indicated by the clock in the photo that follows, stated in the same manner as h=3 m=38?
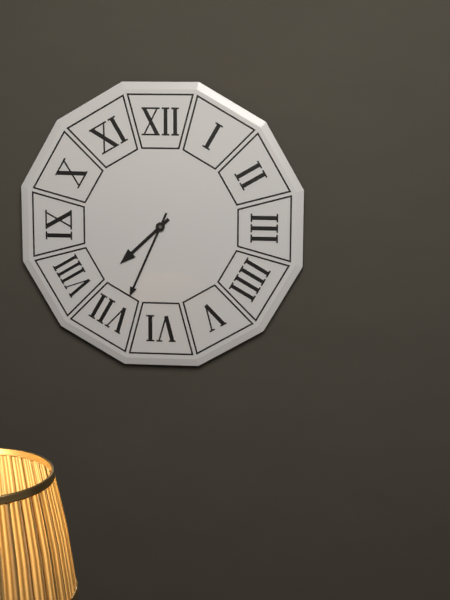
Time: h=7 m=34
